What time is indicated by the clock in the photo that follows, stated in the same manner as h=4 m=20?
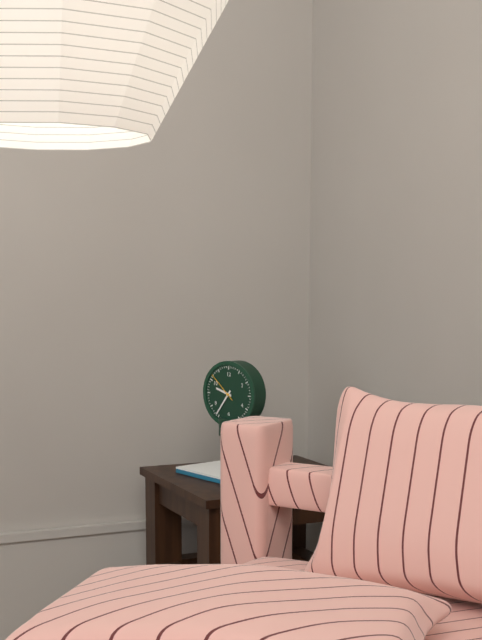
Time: h=9 m=36
